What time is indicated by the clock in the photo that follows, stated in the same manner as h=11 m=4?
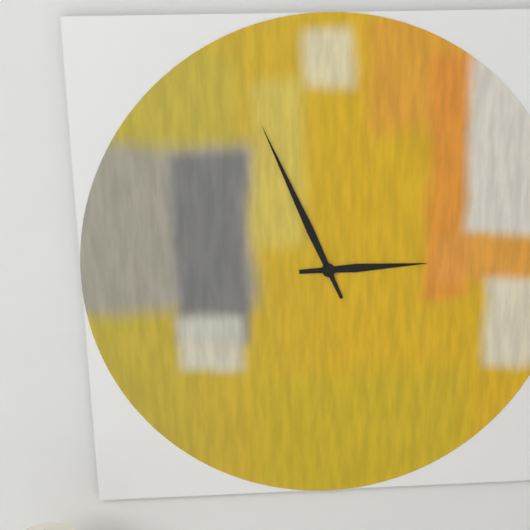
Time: h=2 m=56
